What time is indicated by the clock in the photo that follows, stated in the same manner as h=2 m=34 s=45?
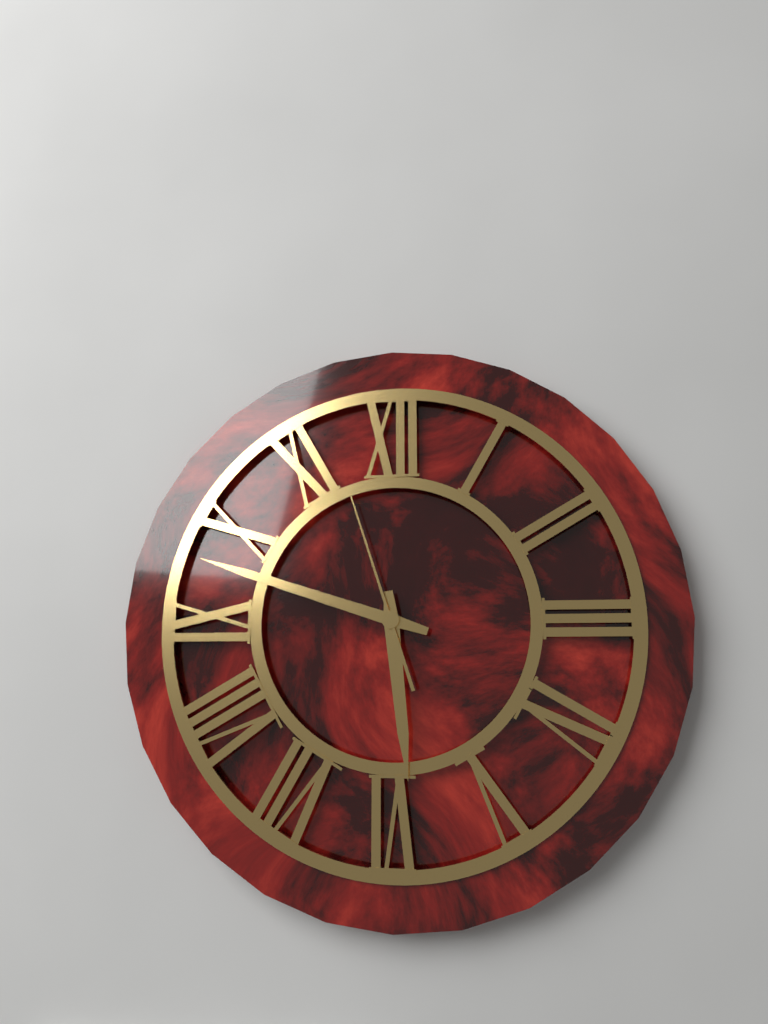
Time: h=5 m=48 s=57
